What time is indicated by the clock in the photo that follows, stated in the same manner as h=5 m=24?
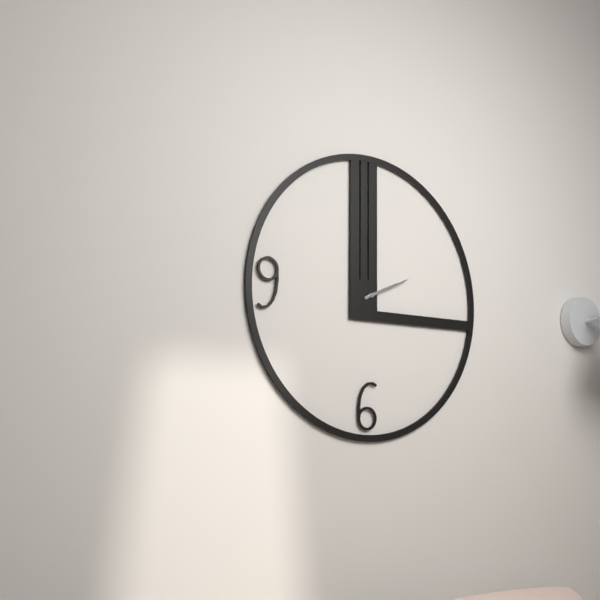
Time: h=2 m=11
